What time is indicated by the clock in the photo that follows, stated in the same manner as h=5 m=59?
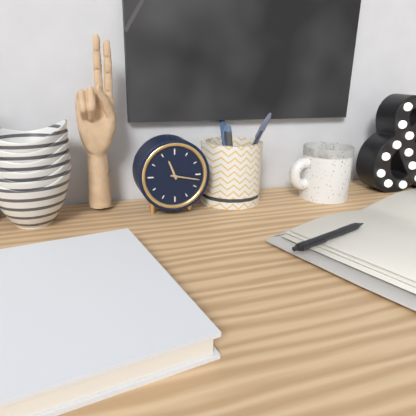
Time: h=11 m=17
